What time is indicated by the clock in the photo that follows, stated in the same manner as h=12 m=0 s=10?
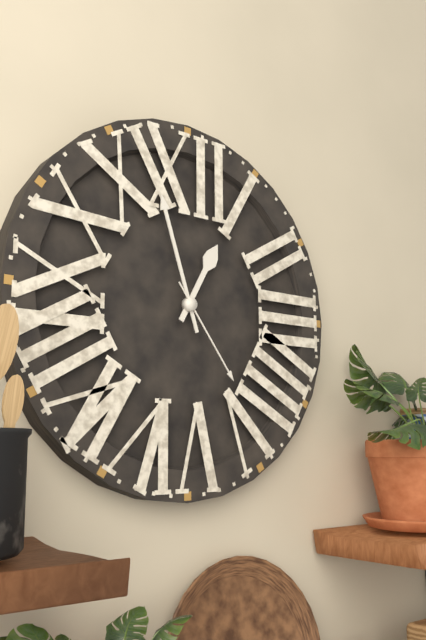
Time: h=12 m=57 s=24
